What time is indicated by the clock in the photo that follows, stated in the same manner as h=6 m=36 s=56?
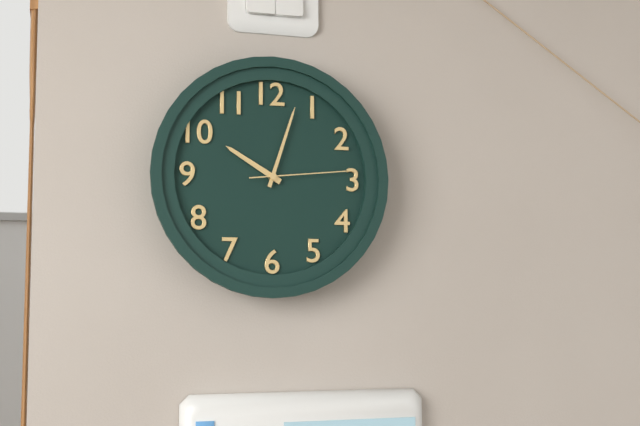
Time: h=10 m=3 s=14
